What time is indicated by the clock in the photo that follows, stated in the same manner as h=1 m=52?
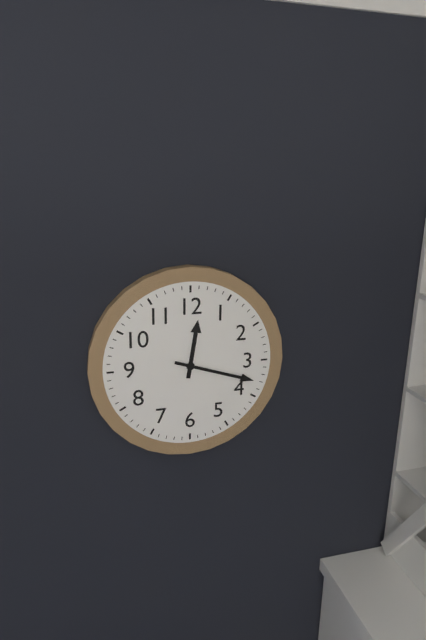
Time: h=12 m=18
